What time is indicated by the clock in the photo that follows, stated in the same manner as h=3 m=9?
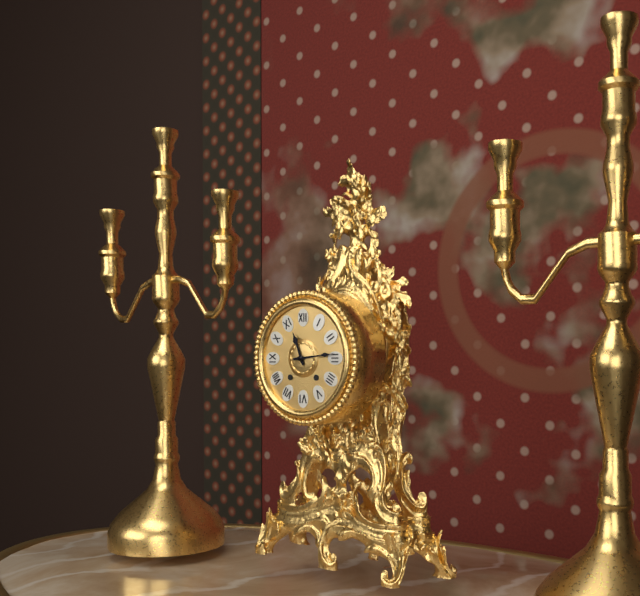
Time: h=11 m=14
